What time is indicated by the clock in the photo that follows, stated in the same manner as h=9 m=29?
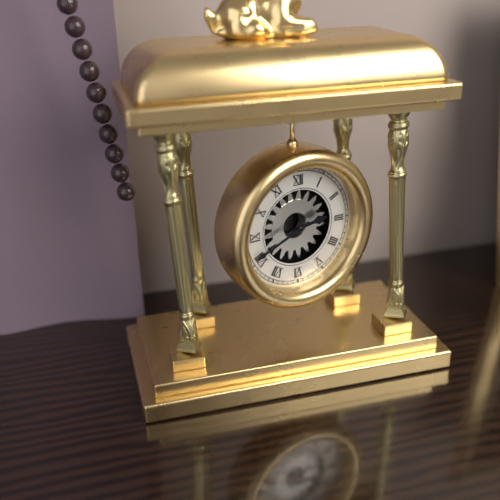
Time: h=2 m=41
